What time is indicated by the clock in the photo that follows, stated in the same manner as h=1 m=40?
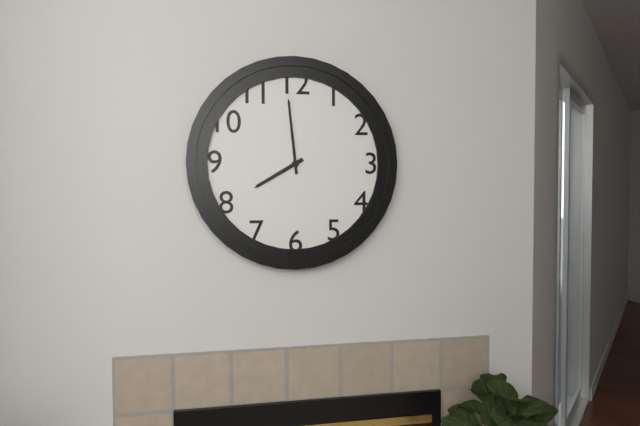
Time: h=7 m=59
